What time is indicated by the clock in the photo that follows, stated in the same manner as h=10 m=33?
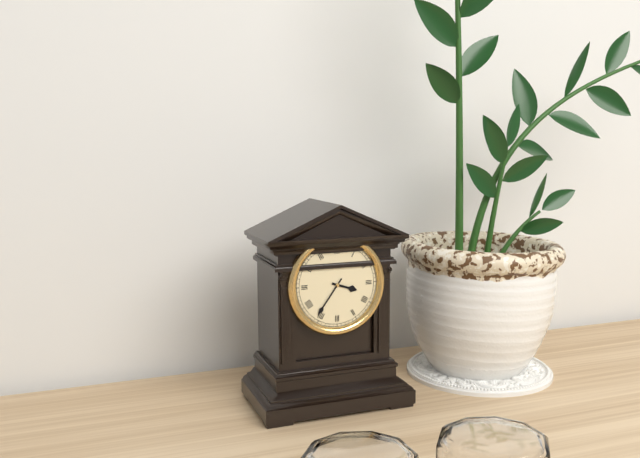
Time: h=3 m=36
